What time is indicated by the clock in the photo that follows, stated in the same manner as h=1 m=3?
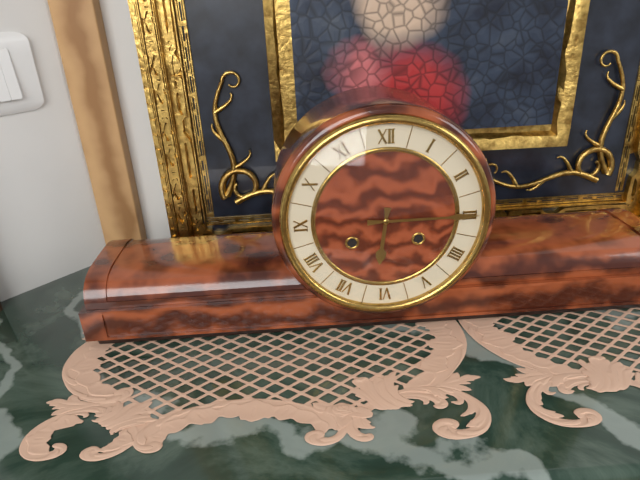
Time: h=6 m=15
